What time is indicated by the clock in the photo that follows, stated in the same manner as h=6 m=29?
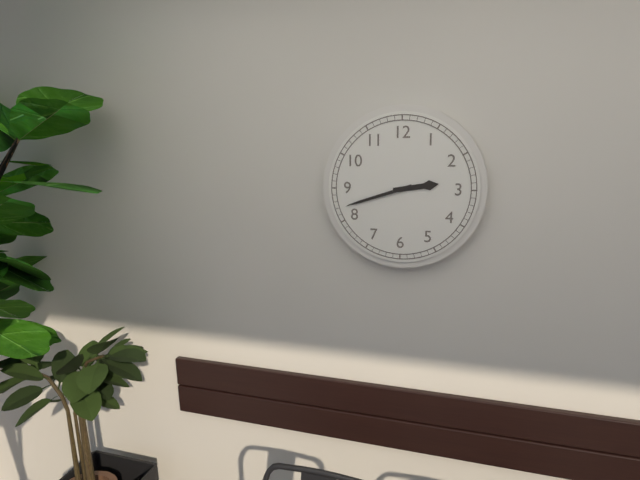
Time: h=2 m=42
